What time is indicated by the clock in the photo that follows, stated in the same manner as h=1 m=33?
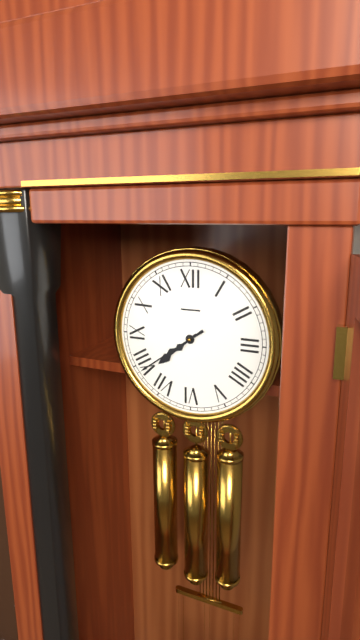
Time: h=7 m=39
